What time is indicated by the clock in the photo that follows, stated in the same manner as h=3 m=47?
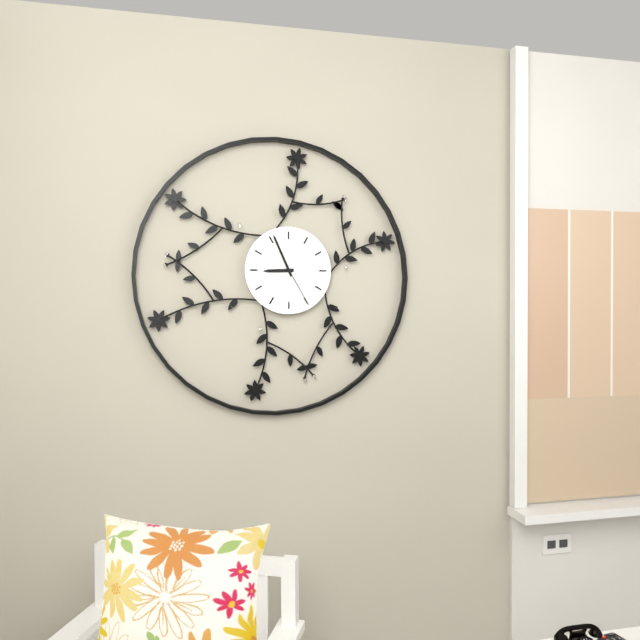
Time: h=8 m=56
